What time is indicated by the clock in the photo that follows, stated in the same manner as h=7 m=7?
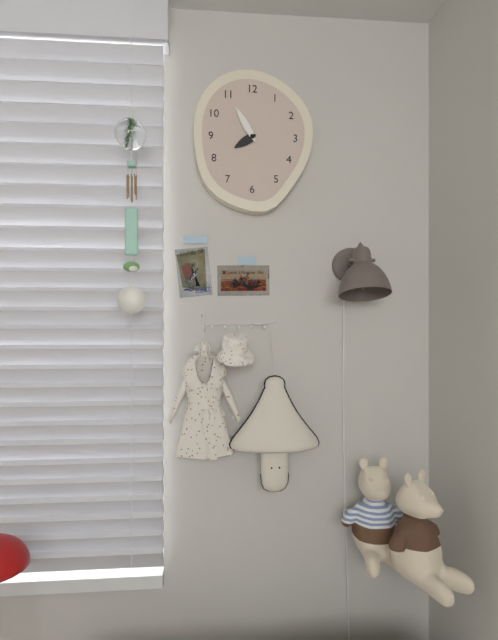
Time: h=7 m=55
